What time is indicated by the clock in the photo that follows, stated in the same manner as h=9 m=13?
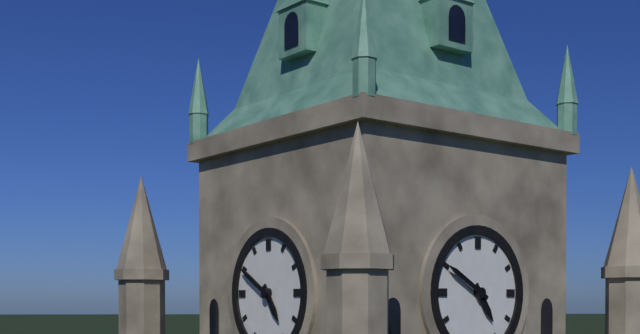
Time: h=4 m=50
